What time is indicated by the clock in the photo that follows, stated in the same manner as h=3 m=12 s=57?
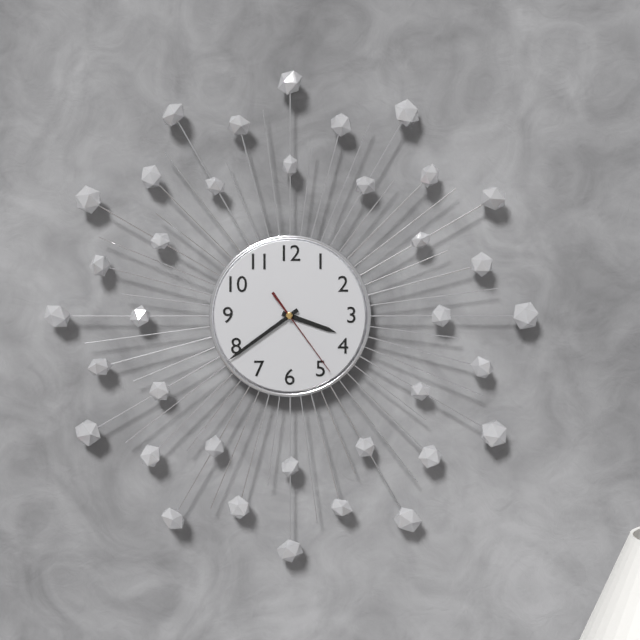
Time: h=3 m=39 s=24
